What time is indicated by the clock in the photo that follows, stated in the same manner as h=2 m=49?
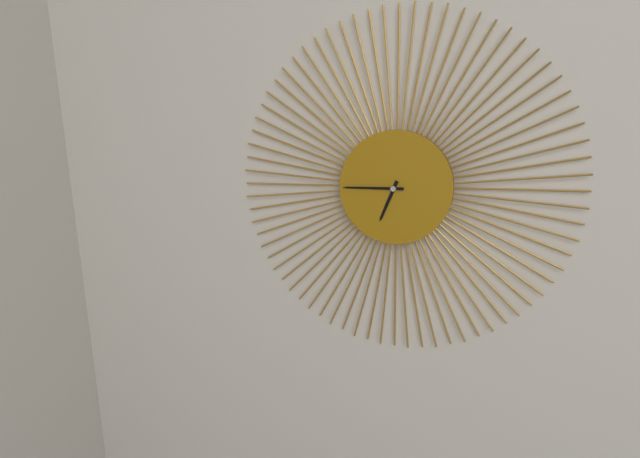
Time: h=6 m=45
